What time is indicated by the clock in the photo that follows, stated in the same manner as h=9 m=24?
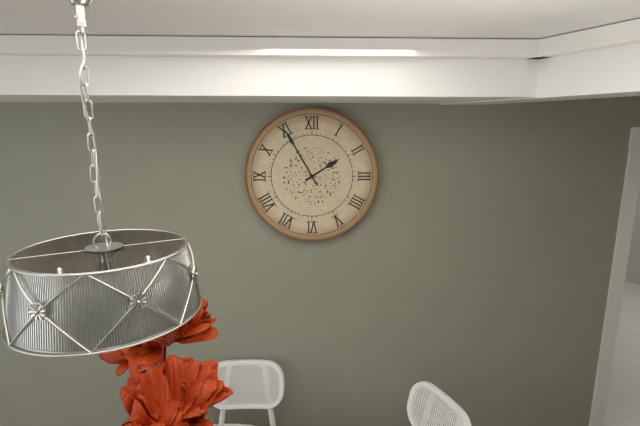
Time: h=1 m=55
